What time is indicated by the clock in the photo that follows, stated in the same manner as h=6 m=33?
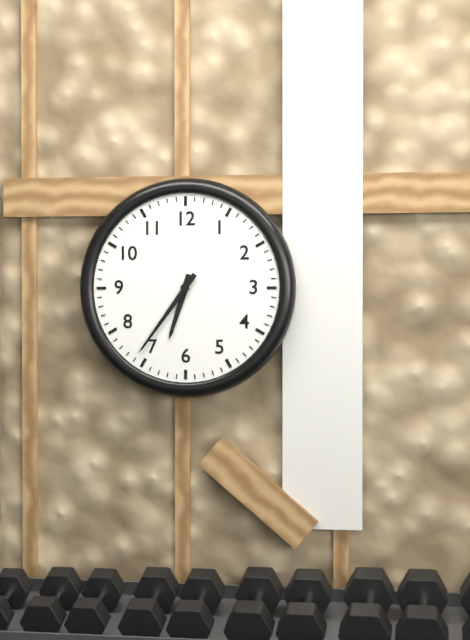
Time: h=6 m=36
